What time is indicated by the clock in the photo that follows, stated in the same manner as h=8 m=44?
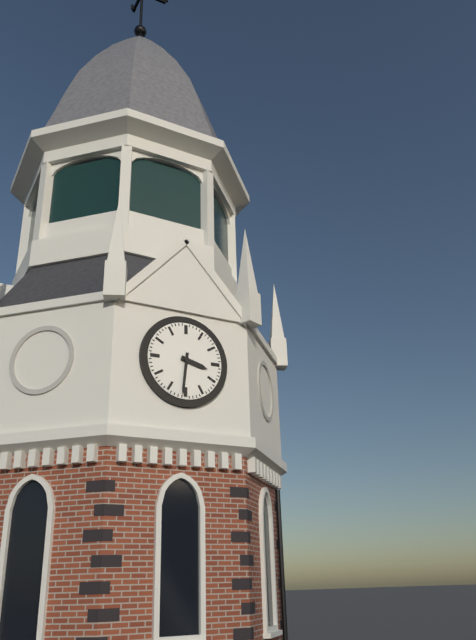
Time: h=3 m=31
